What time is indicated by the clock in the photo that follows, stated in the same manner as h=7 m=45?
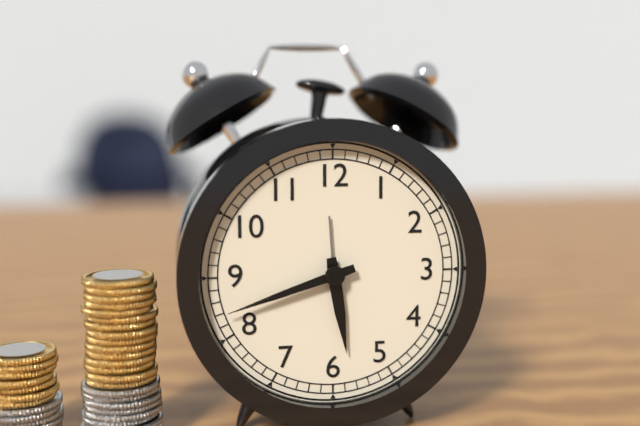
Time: h=5 m=42
